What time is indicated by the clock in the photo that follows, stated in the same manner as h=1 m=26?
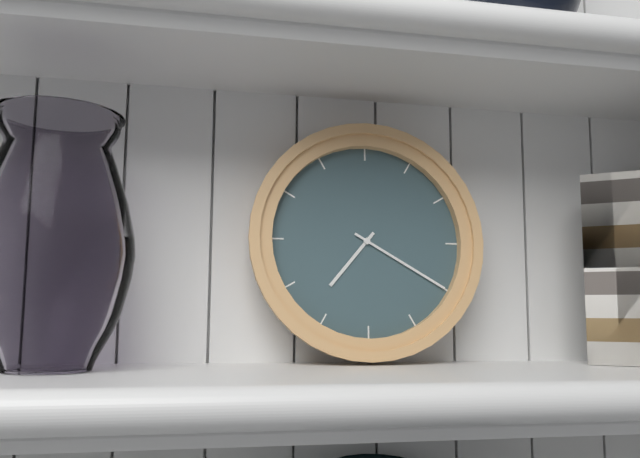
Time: h=7 m=20
